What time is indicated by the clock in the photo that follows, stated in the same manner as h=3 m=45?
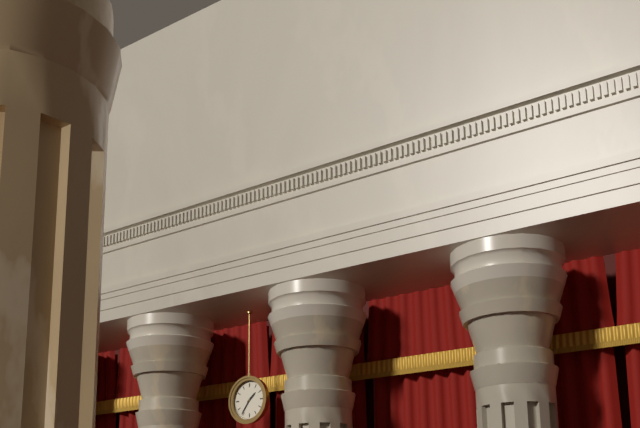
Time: h=1 m=36
